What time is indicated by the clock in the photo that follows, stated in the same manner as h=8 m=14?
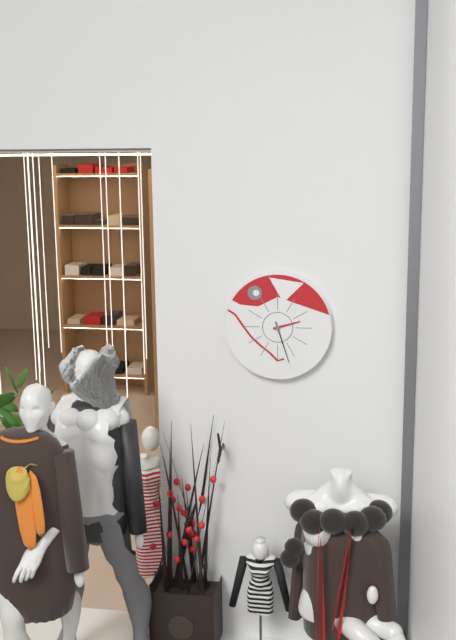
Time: h=2 m=27
